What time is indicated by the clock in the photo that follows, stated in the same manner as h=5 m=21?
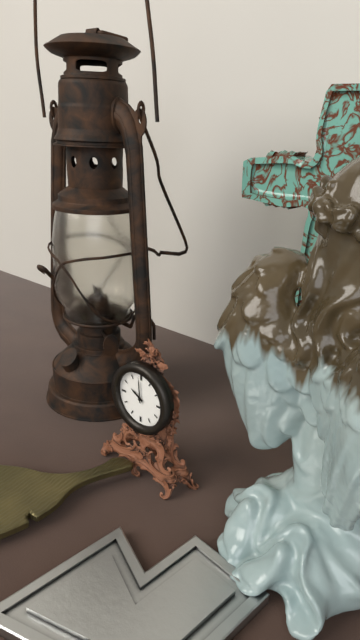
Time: h=9 m=59
